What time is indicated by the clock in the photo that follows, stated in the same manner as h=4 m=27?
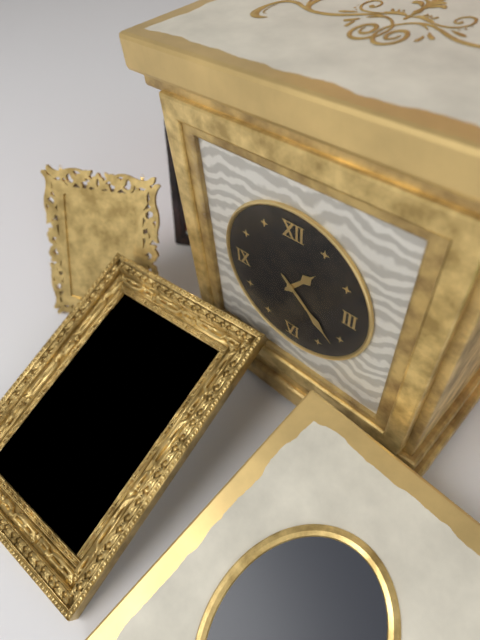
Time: h=1 m=22
